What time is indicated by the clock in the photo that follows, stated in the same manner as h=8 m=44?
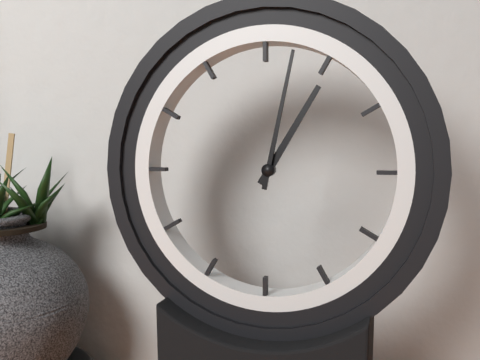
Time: h=1 m=2
